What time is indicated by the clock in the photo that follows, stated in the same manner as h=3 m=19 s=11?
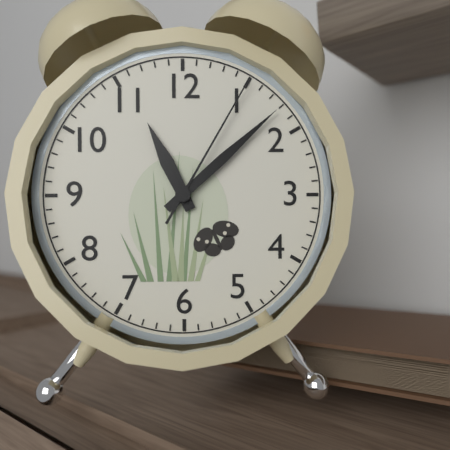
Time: h=11 m=8 s=5
